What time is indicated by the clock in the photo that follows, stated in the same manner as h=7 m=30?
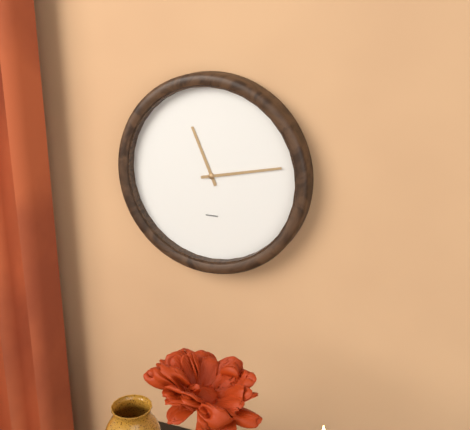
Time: h=11 m=13
